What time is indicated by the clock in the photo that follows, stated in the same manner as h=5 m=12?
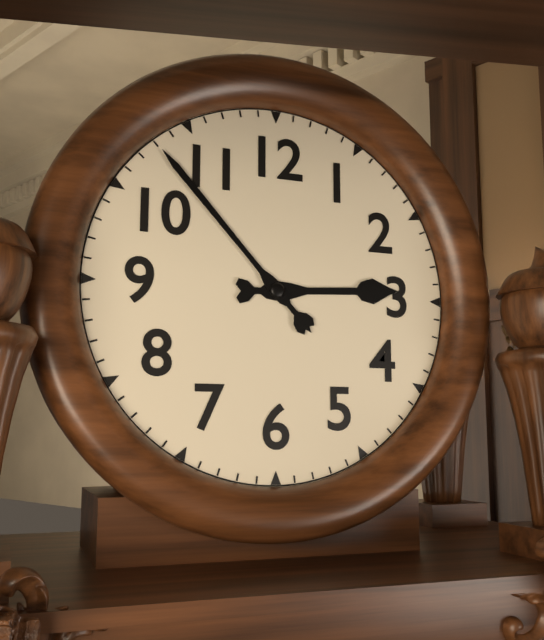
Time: h=2 m=53
